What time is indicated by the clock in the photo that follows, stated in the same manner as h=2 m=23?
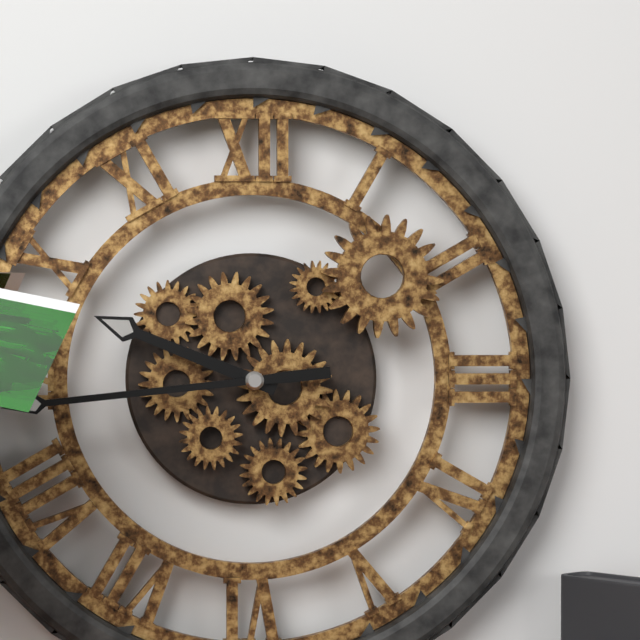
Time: h=9 m=44
